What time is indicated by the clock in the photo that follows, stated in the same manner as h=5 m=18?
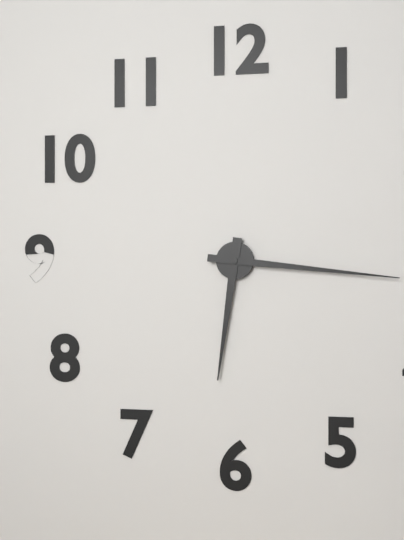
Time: h=6 m=16
